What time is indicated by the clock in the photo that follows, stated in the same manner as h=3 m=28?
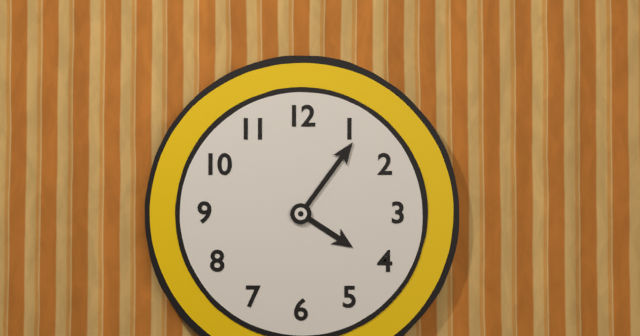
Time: h=4 m=6
